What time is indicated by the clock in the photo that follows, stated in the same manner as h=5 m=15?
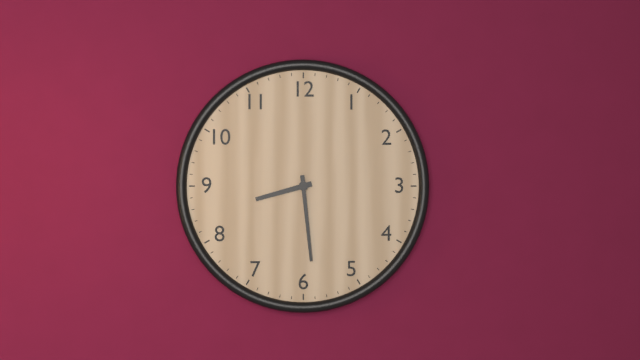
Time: h=8 m=29
